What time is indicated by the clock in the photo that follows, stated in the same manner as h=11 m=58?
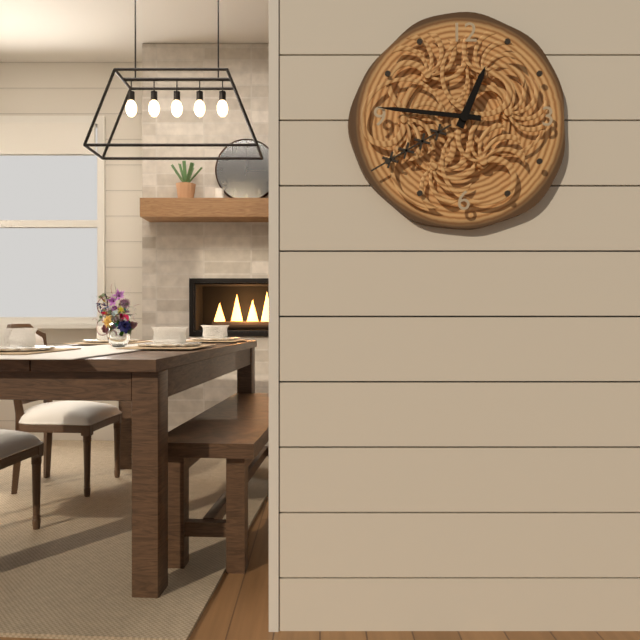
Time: h=12 m=46
